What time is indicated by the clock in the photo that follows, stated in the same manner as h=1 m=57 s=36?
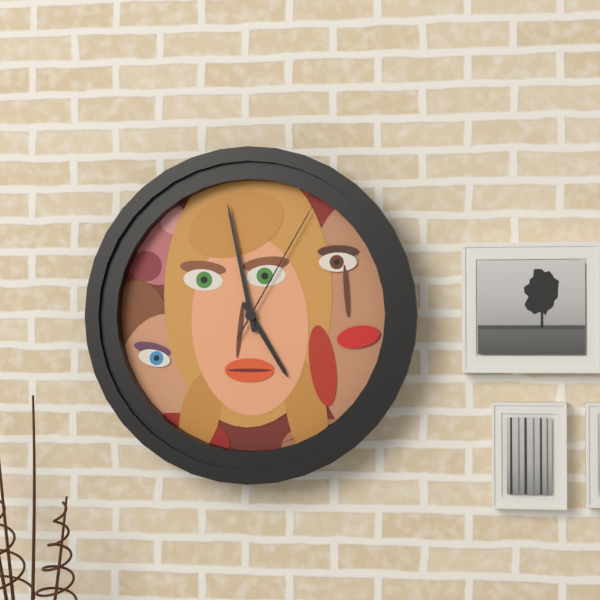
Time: h=4 m=58 s=5
